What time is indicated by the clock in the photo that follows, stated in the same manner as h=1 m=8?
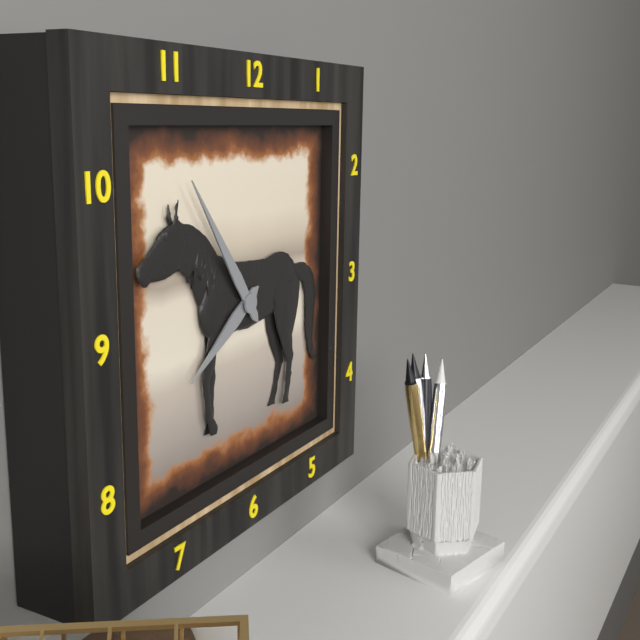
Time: h=7 m=54
